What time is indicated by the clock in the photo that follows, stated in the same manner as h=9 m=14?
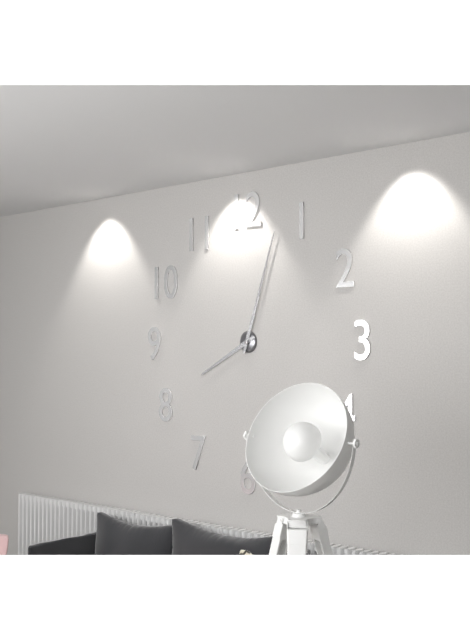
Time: h=8 m=3
